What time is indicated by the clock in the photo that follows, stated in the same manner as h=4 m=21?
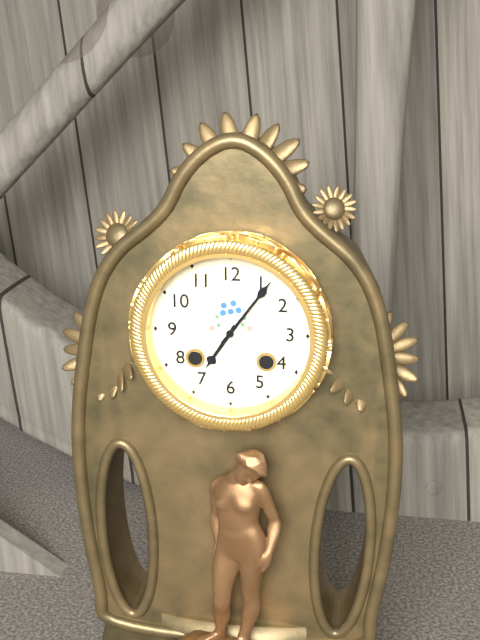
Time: h=7 m=6
